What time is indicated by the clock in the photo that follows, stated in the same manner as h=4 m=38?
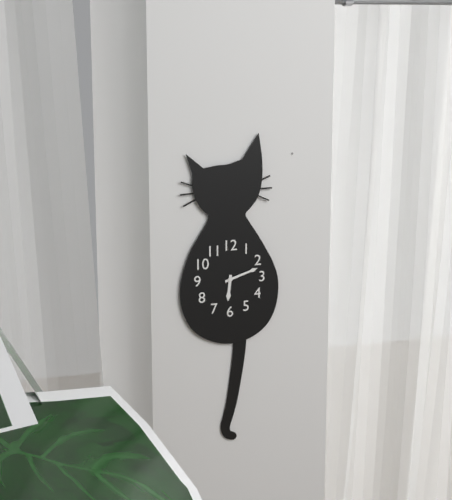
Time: h=6 m=12
